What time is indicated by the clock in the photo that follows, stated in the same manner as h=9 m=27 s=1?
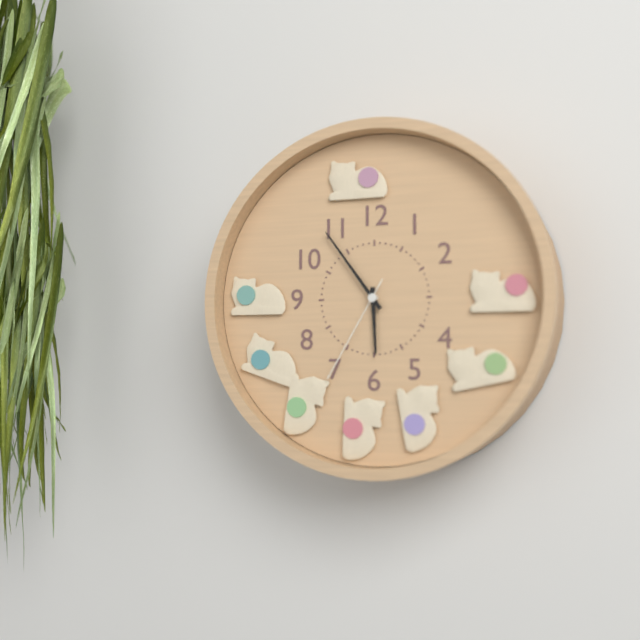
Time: h=5 m=54 s=35
